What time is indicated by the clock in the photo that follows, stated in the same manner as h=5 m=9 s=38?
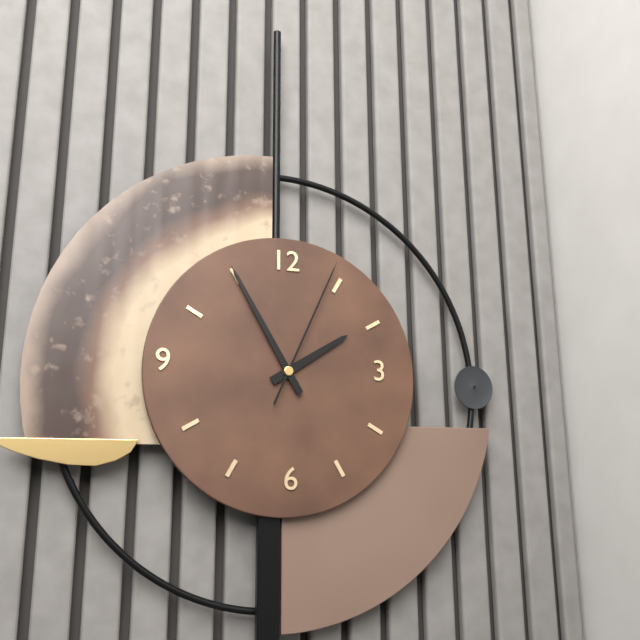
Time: h=1 m=55 s=4
